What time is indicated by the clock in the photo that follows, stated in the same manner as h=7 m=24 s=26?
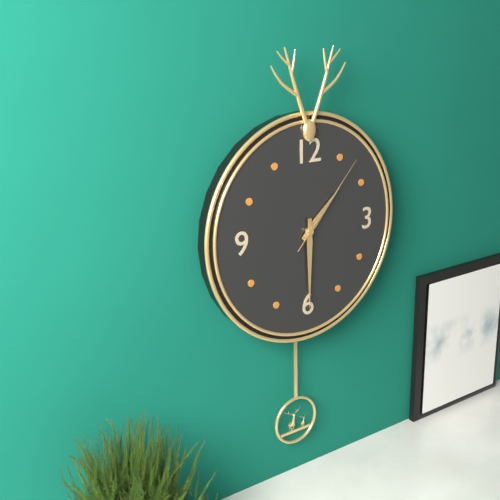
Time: h=1 m=30 s=7
